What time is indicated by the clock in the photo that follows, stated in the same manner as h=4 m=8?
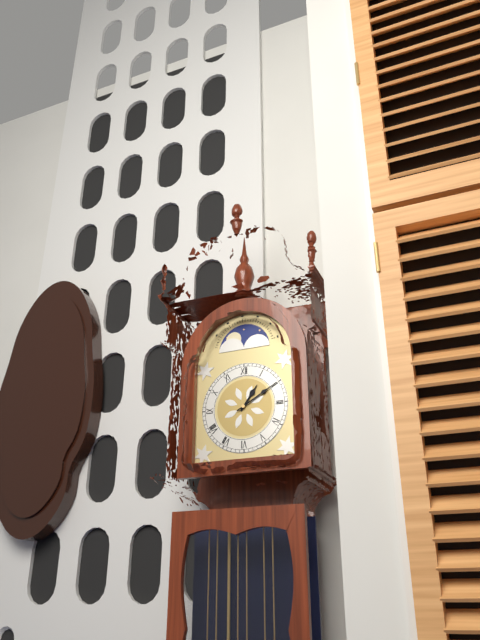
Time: h=1 m=10
